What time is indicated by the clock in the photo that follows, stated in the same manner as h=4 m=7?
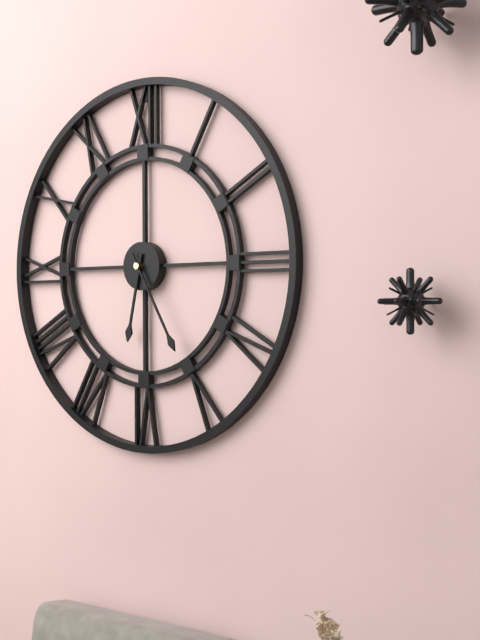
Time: h=6 m=25
